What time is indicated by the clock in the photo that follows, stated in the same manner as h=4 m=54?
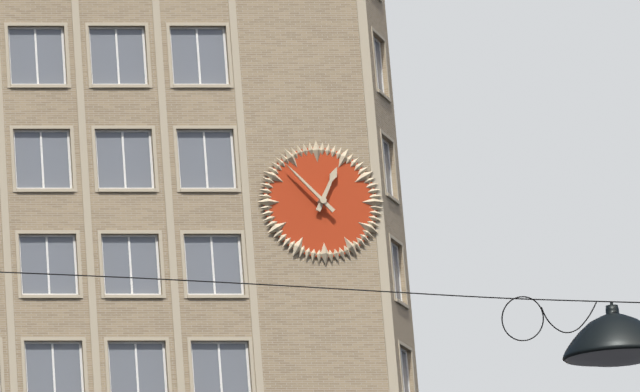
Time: h=12 m=53
